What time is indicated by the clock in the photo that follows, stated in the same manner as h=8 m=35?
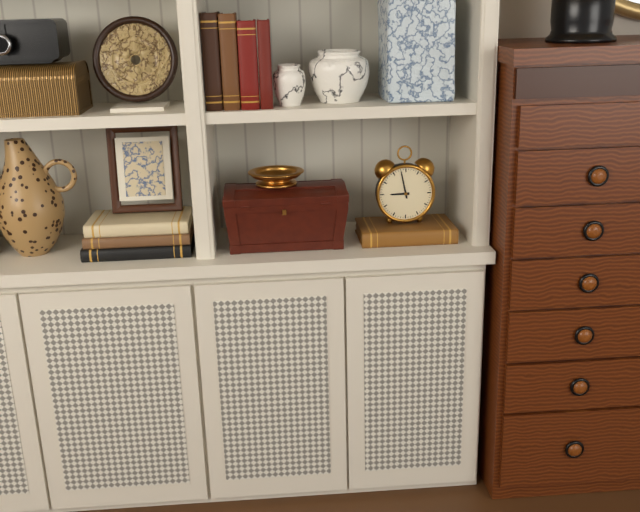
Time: h=8 m=58
